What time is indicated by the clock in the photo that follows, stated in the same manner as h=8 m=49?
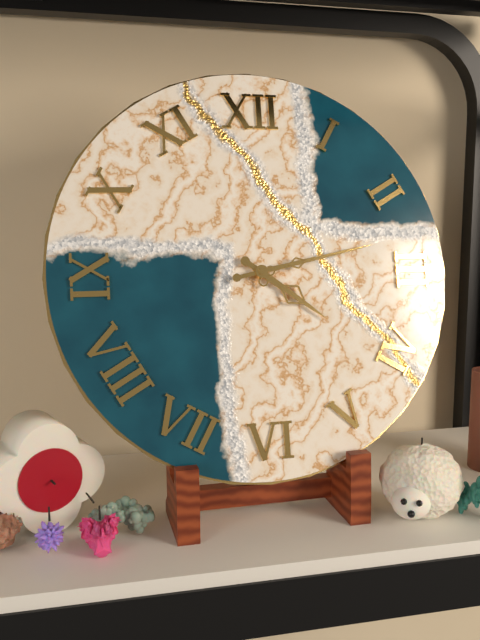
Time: h=4 m=13
